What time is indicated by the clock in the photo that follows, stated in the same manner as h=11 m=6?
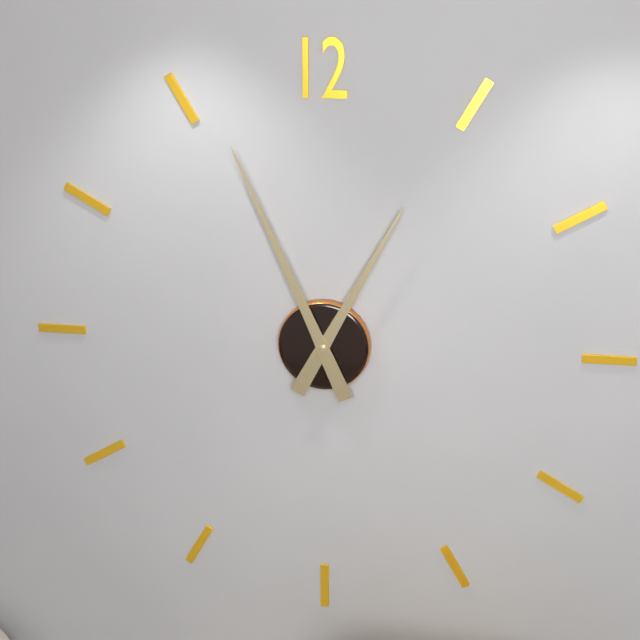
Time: h=12 m=56
